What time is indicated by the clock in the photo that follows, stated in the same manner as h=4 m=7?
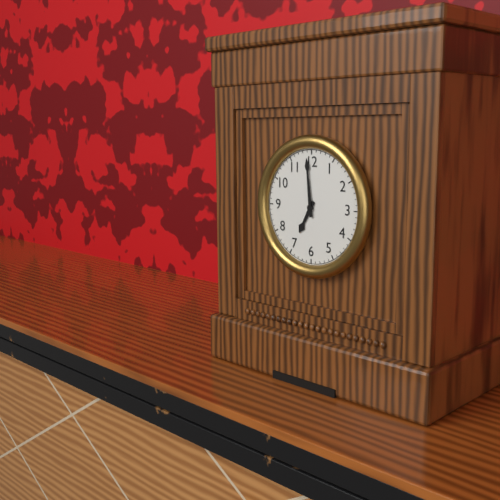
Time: h=6 m=59
